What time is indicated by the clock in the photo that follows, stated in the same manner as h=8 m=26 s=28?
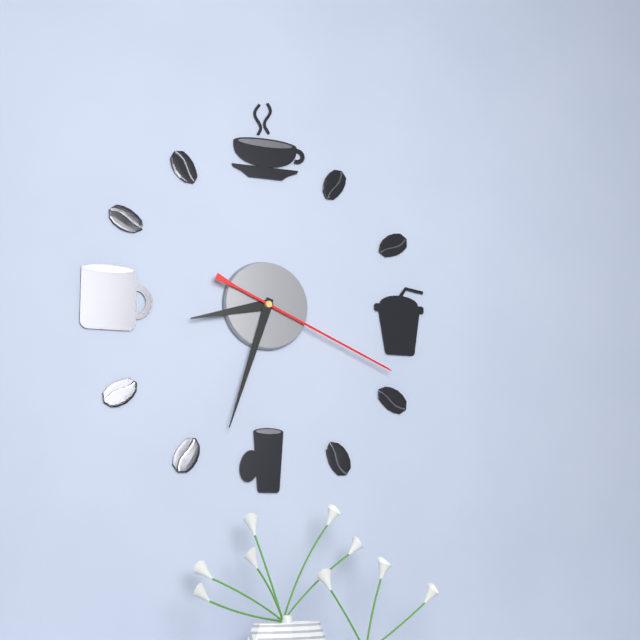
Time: h=8 m=33 s=19
